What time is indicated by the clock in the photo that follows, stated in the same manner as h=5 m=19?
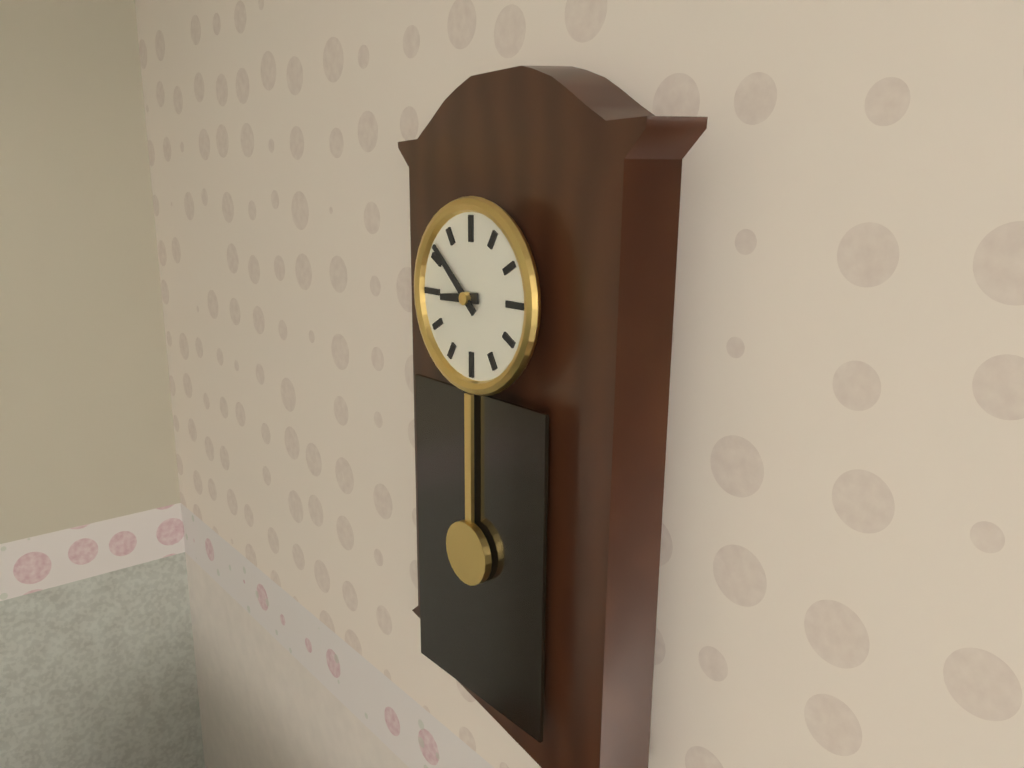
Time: h=8 m=52
